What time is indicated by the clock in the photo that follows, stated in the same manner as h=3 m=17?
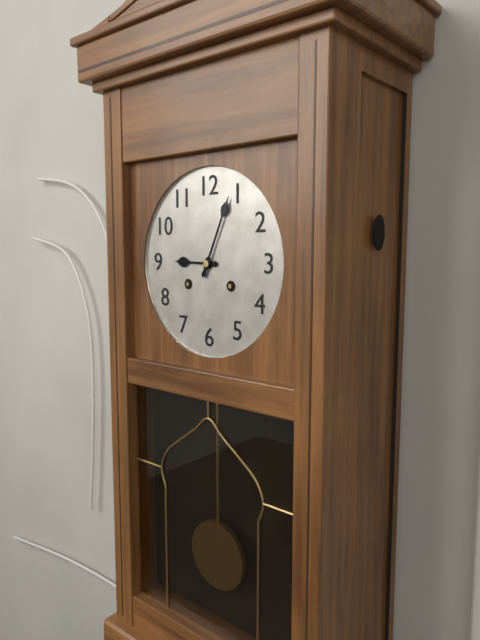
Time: h=9 m=4
